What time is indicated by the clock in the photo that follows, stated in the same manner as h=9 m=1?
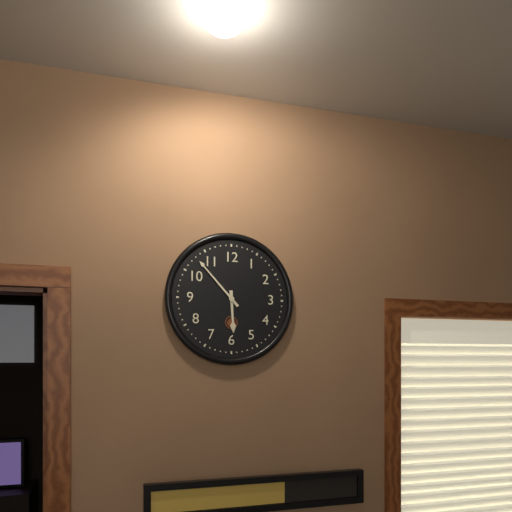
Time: h=5 m=53
